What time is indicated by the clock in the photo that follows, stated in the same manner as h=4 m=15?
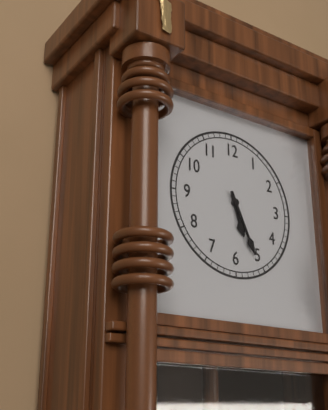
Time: h=5 m=26
